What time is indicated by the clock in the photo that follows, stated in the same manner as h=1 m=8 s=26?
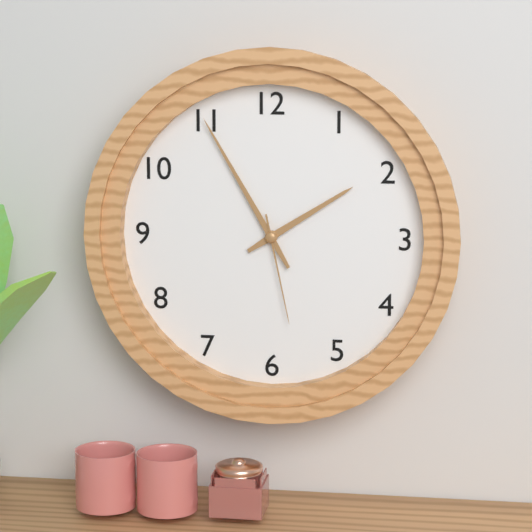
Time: h=1 m=55 s=28
